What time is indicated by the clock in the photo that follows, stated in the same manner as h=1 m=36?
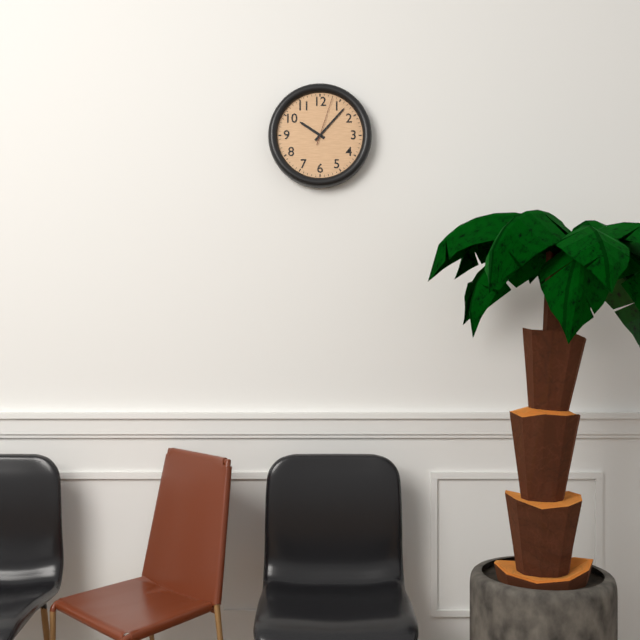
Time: h=10 m=7
